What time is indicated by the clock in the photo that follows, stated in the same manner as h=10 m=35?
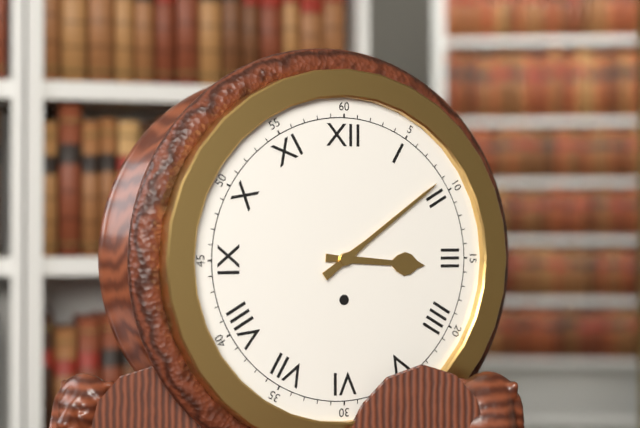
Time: h=3 m=9
